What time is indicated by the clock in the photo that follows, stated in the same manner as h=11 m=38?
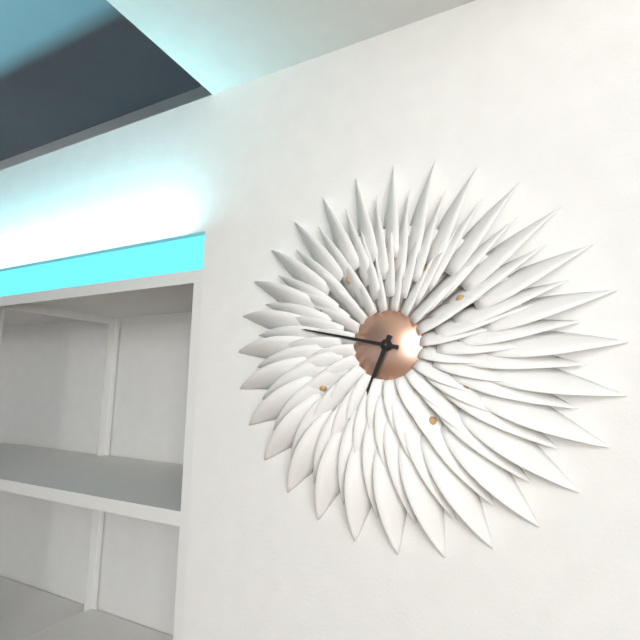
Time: h=6 m=47
